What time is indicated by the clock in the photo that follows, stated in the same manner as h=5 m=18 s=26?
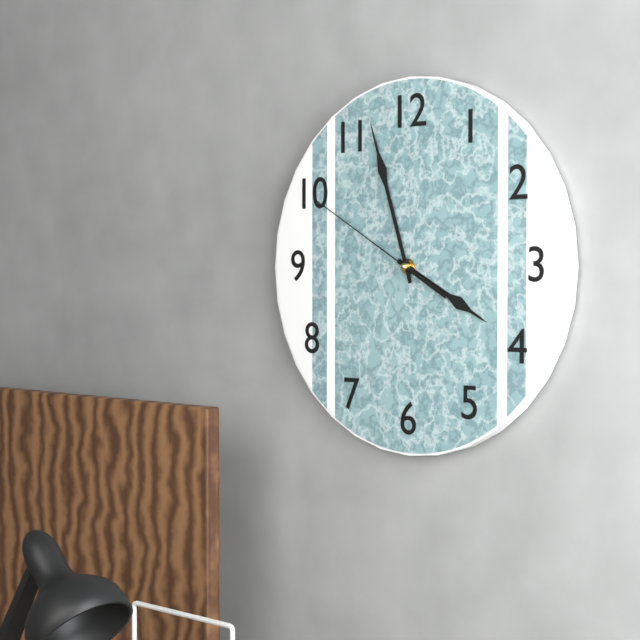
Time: h=3 m=57 s=50
